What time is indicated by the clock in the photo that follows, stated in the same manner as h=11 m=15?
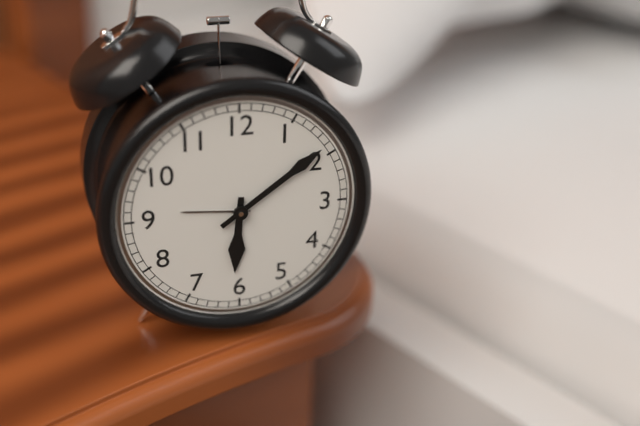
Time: h=6 m=9
